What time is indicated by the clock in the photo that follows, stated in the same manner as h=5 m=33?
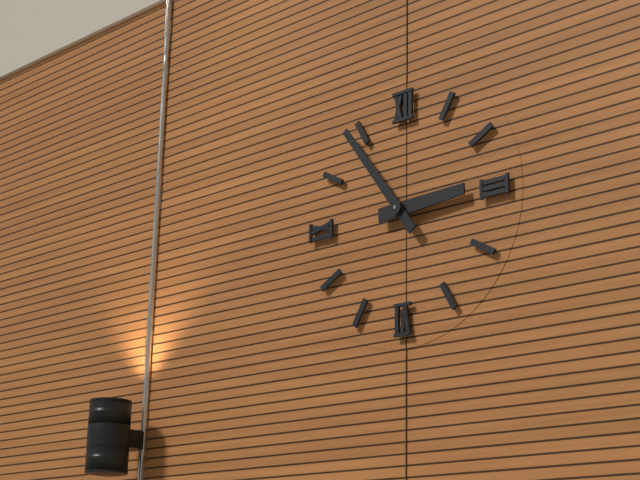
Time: h=2 m=54
